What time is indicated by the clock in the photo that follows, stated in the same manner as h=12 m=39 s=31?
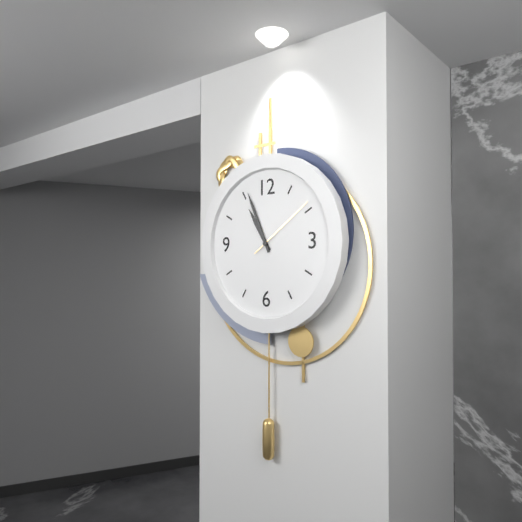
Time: h=10 m=56 s=9
